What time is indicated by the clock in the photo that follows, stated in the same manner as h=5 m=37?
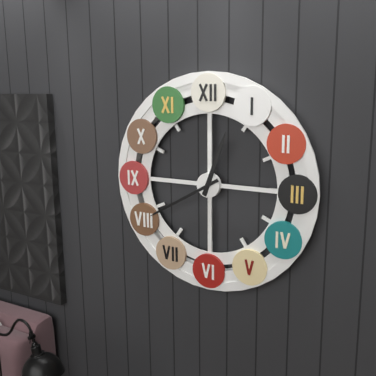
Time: h=12 m=40
